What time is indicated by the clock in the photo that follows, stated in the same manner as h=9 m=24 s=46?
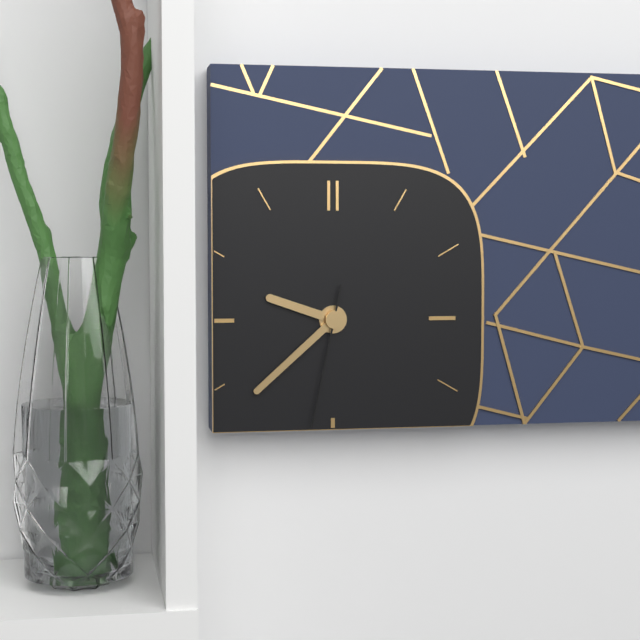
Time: h=9 m=38 s=32
